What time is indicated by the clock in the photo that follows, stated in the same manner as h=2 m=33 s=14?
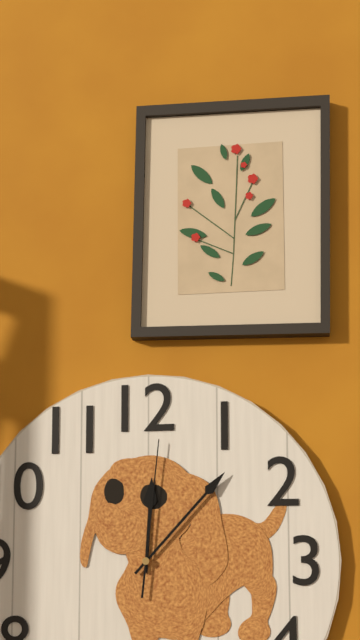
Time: h=12 m=7 s=1
